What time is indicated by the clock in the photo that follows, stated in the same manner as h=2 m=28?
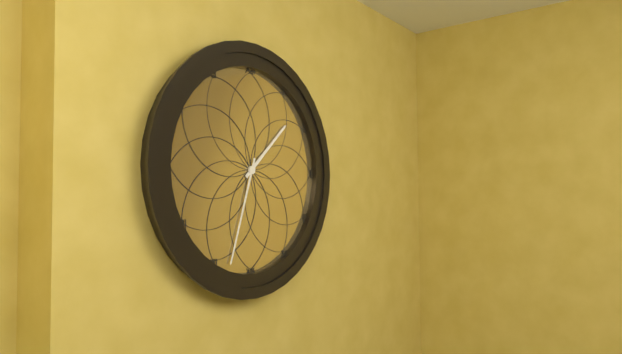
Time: h=1 m=33
